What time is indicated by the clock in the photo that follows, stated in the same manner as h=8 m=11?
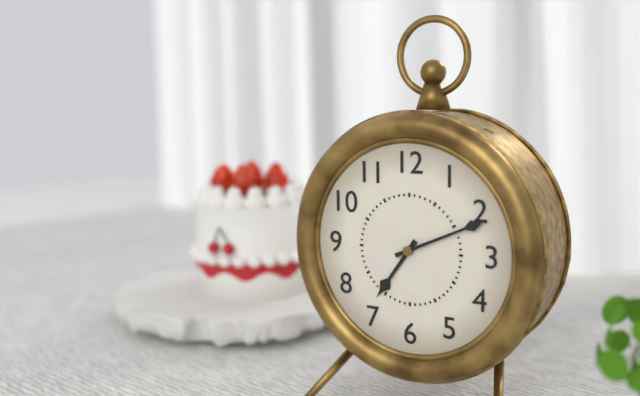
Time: h=7 m=11
